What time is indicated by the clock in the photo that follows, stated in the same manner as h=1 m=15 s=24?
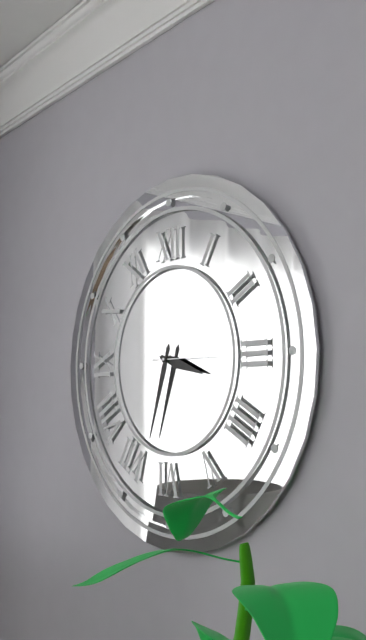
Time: h=3 m=33 s=15
